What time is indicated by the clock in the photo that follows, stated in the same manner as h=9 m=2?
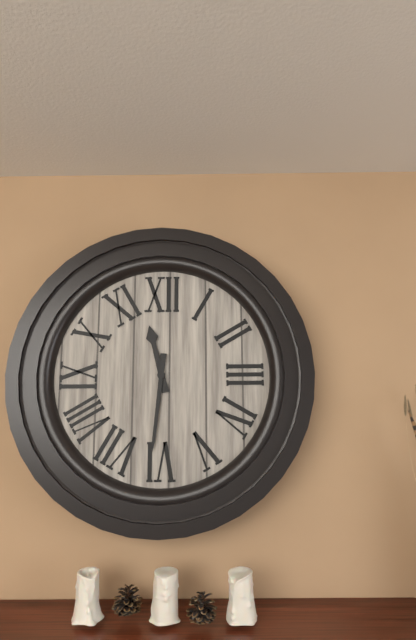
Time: h=11 m=31
